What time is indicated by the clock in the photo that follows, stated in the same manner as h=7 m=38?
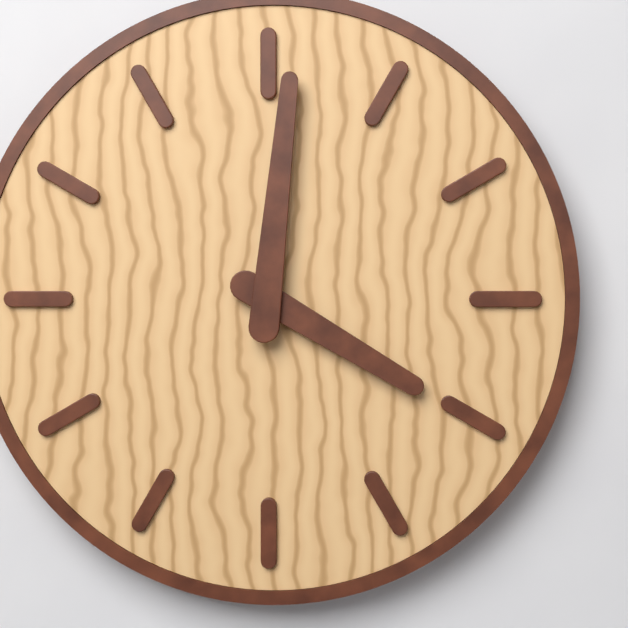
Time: h=4 m=1
